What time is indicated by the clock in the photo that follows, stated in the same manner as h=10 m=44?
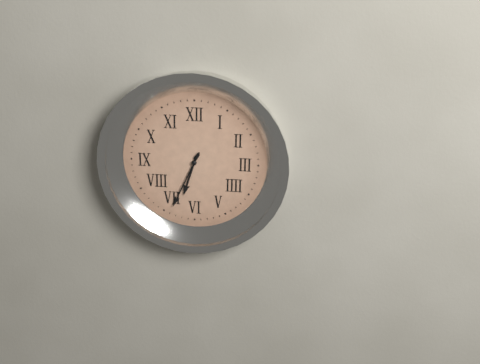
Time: h=6 m=34
